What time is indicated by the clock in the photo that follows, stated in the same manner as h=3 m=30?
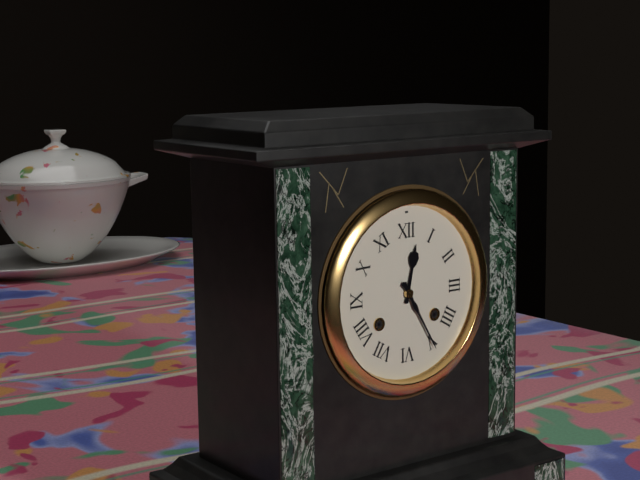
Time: h=12 m=25
